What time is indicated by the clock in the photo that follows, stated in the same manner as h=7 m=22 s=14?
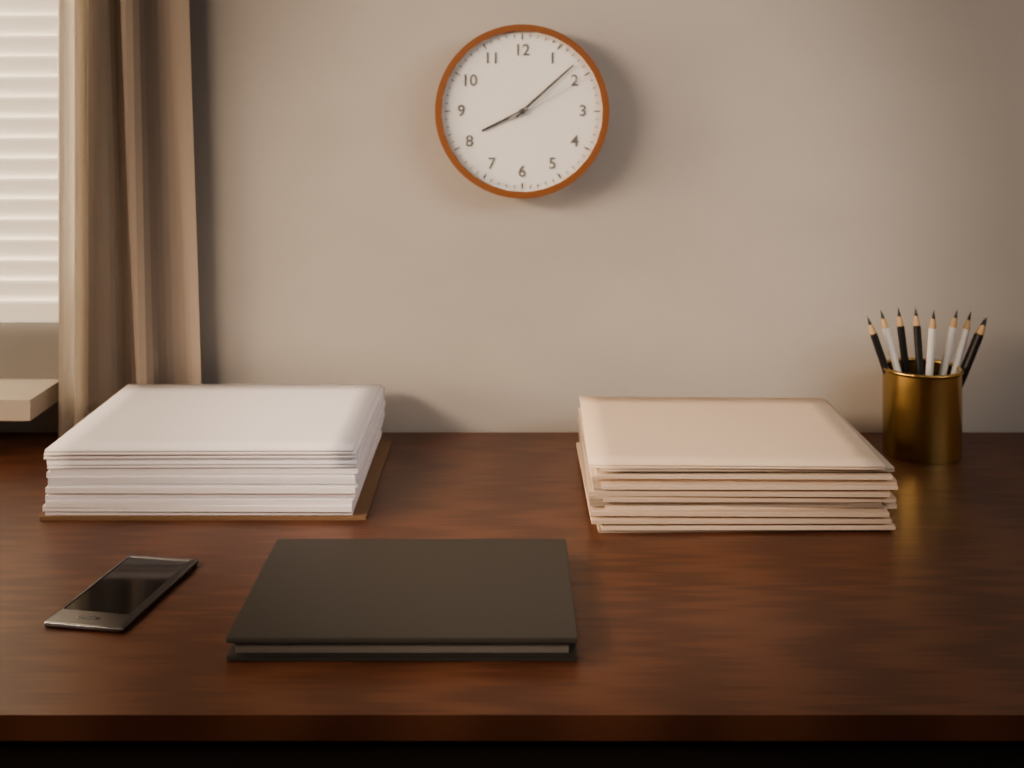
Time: h=8 m=8 s=10
